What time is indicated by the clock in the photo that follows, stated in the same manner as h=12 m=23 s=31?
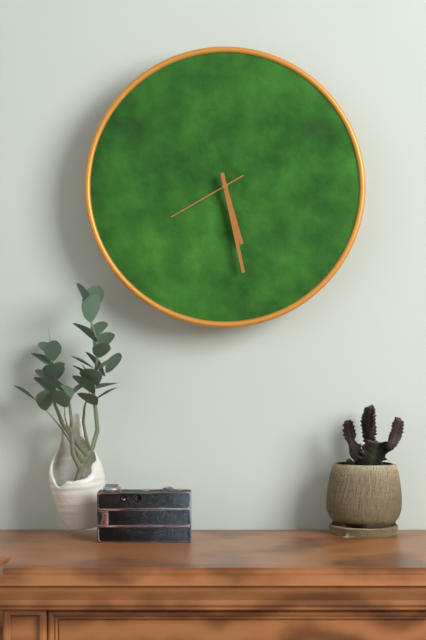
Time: h=5 m=28 s=40
